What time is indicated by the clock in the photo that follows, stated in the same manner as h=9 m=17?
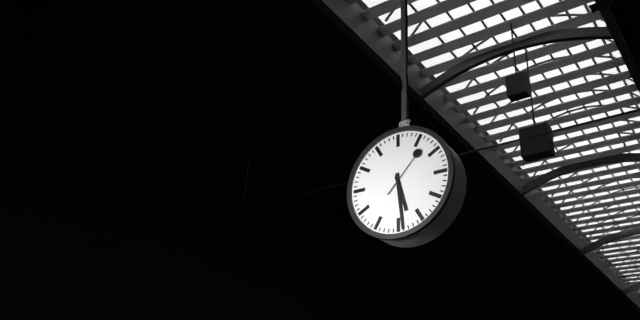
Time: h=5 m=29
